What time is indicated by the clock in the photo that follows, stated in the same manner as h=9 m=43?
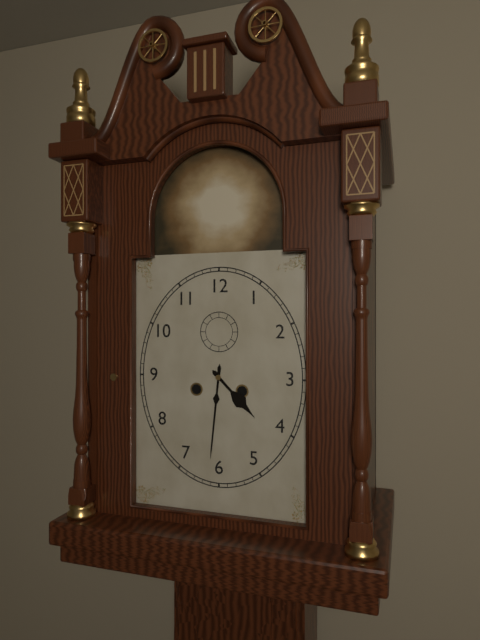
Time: h=4 m=31
